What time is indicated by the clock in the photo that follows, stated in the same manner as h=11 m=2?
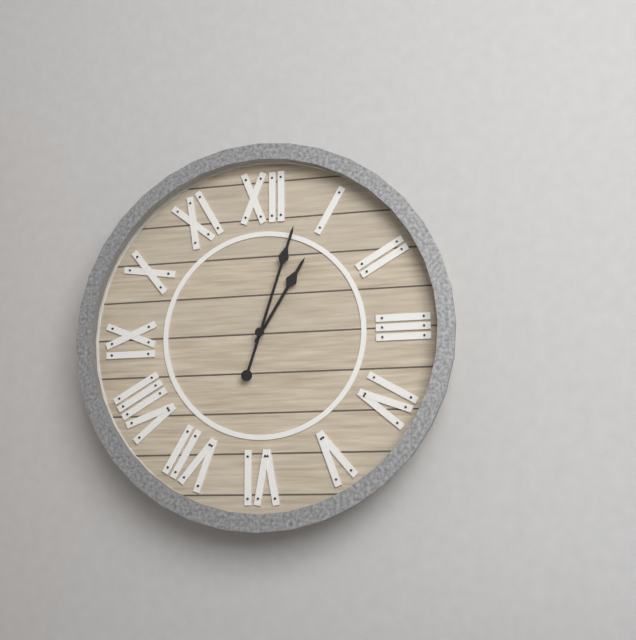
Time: h=1 m=3
